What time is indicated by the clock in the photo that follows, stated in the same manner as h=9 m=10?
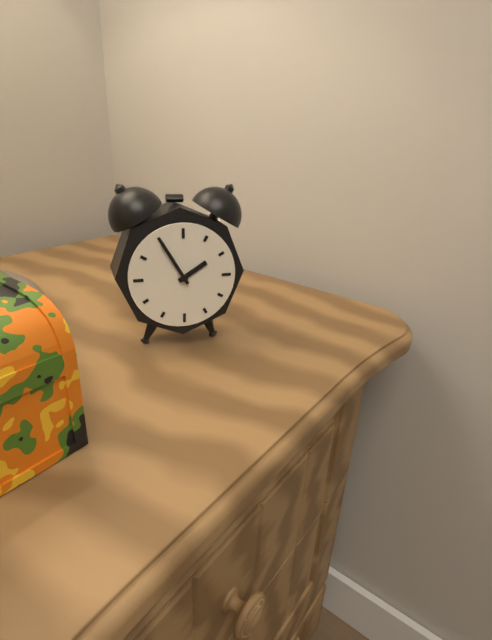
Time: h=1 m=55
